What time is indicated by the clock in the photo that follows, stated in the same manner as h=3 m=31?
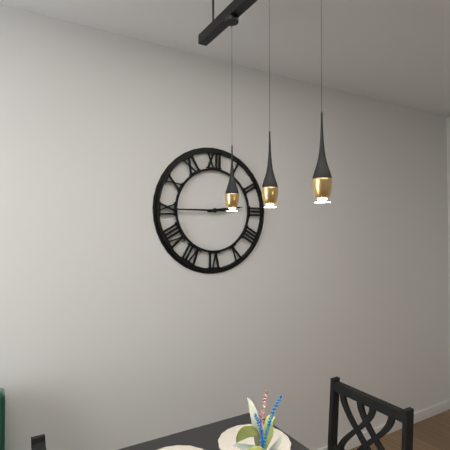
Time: h=2 m=45
